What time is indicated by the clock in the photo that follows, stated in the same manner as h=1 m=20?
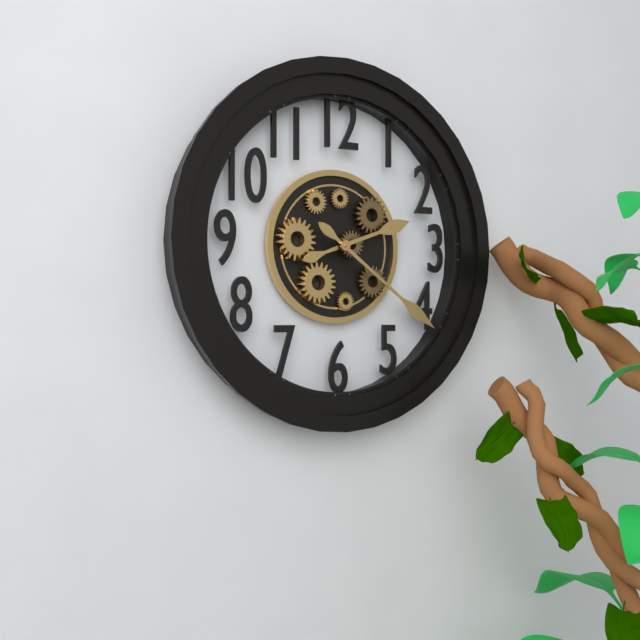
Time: h=2 m=21
